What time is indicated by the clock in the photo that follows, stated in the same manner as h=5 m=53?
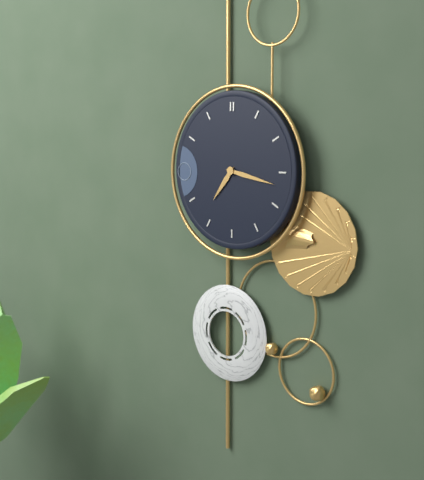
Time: h=7 m=17
